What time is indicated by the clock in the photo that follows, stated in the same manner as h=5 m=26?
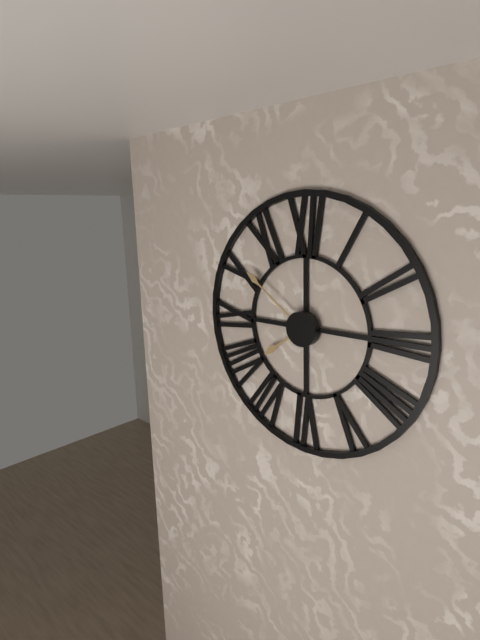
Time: h=7 m=51
